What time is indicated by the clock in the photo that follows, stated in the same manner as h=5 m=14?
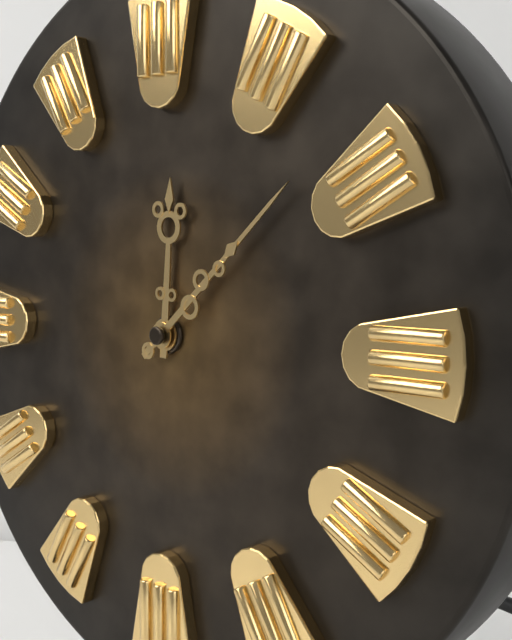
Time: h=12 m=8
